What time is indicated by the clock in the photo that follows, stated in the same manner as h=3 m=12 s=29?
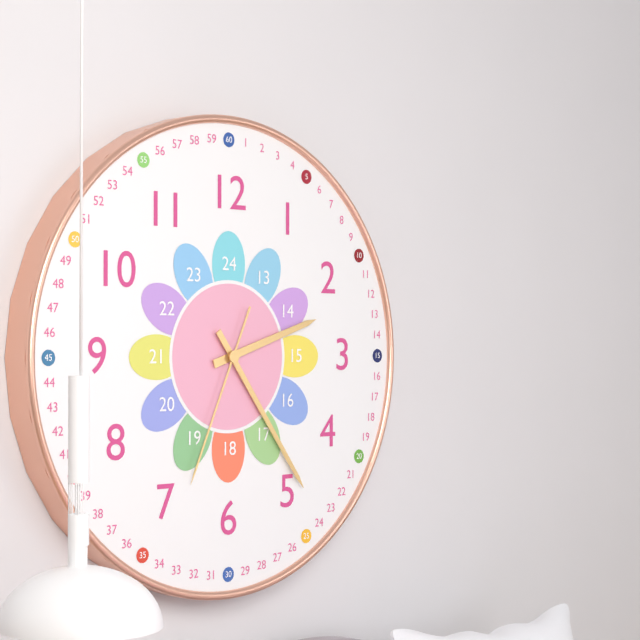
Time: h=2 m=24 s=34
